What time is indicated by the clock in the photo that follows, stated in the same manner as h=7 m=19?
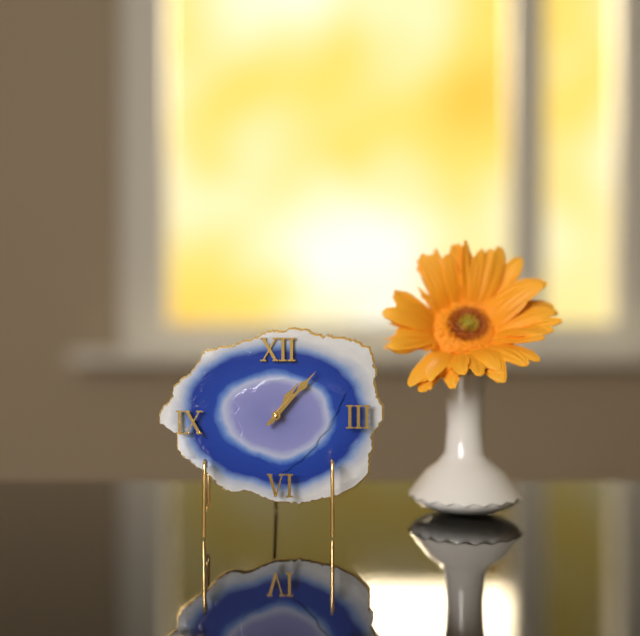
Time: h=1 m=7
